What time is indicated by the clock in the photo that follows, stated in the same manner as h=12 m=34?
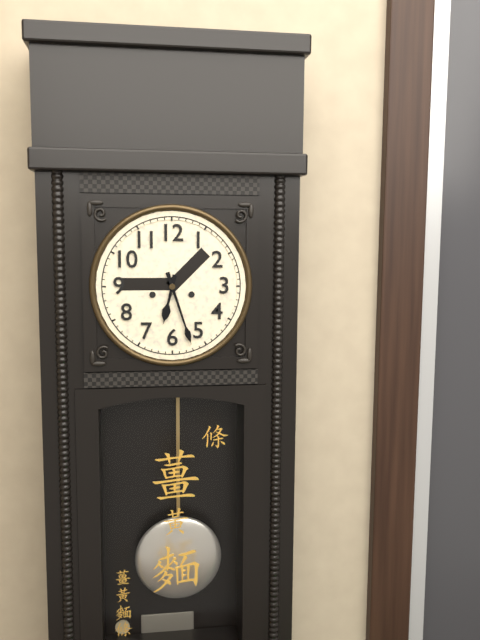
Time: h=6 m=27
